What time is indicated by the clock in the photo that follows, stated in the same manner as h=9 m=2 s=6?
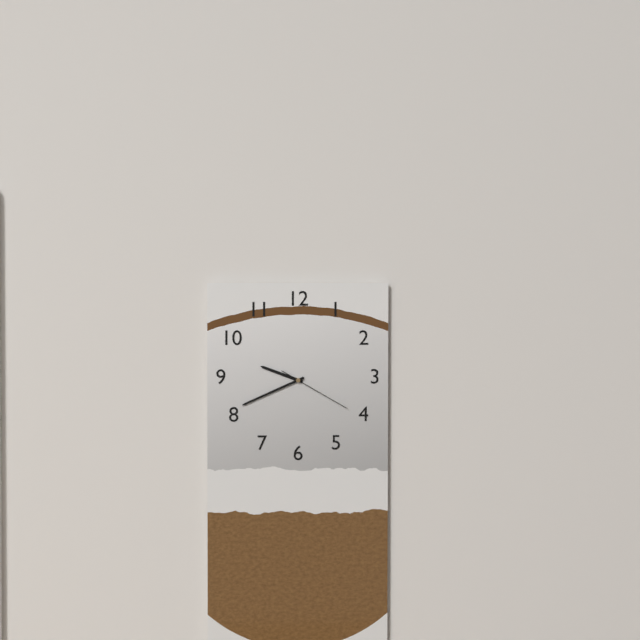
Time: h=9 m=41 s=20
